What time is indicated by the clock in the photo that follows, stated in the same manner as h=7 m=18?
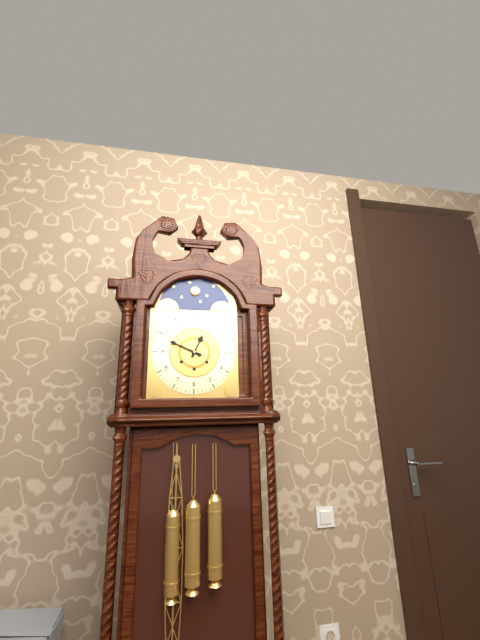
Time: h=12 m=49
